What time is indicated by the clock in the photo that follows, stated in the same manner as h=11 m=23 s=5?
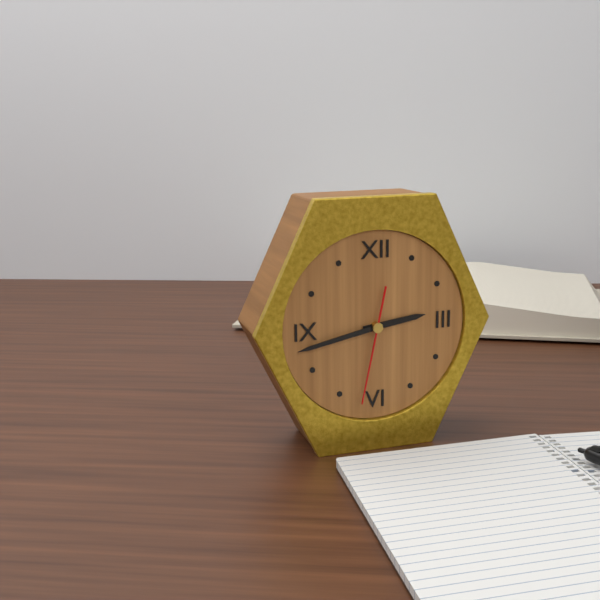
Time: h=2 m=43 s=32
